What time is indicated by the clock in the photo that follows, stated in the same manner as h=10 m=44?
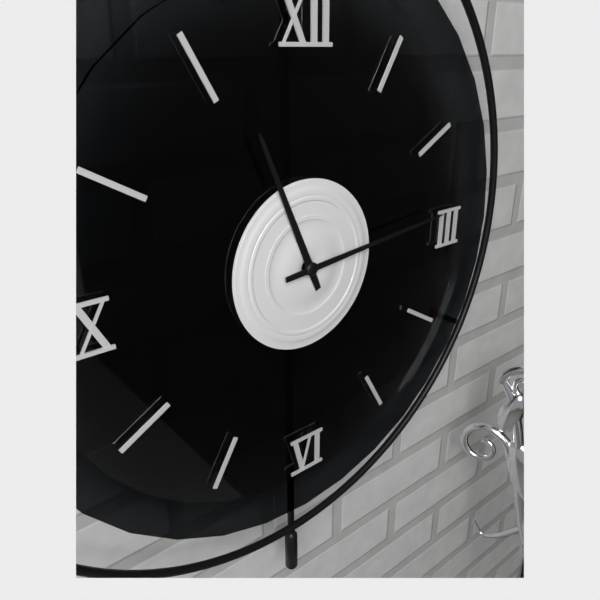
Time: h=11 m=14
